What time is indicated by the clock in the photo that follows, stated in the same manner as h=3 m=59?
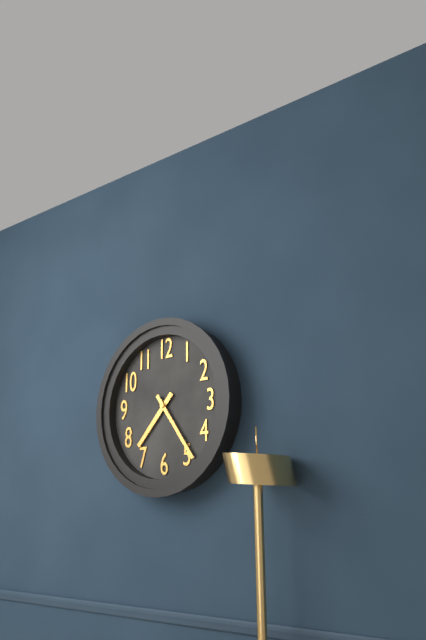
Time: h=7 m=24
